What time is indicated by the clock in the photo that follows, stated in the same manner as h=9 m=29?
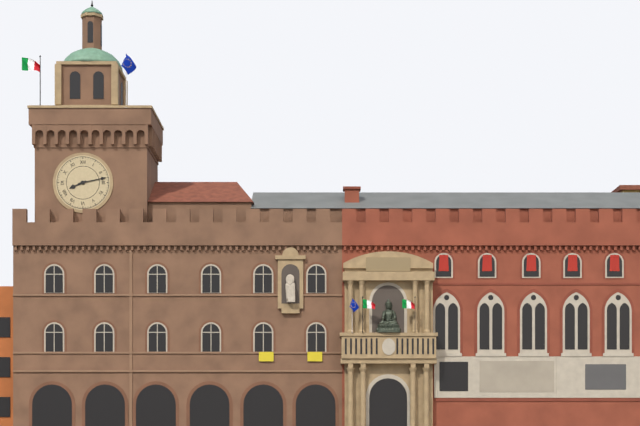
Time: h=8 m=13
